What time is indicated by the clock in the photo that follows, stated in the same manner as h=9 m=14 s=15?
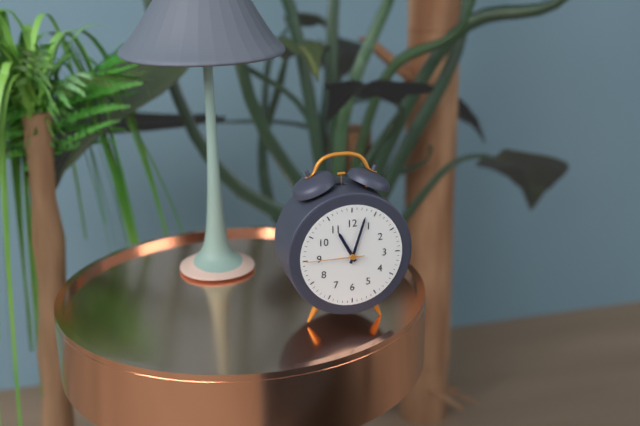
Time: h=11 m=3 s=45
